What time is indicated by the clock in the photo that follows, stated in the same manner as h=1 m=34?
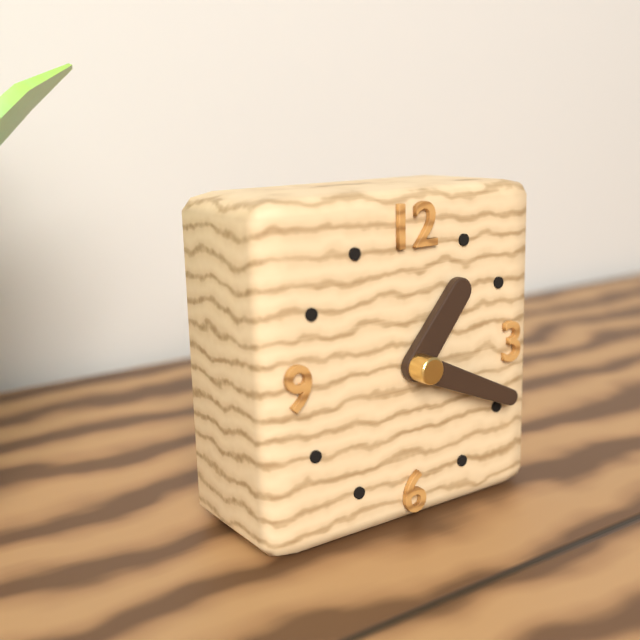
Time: h=1 m=19
